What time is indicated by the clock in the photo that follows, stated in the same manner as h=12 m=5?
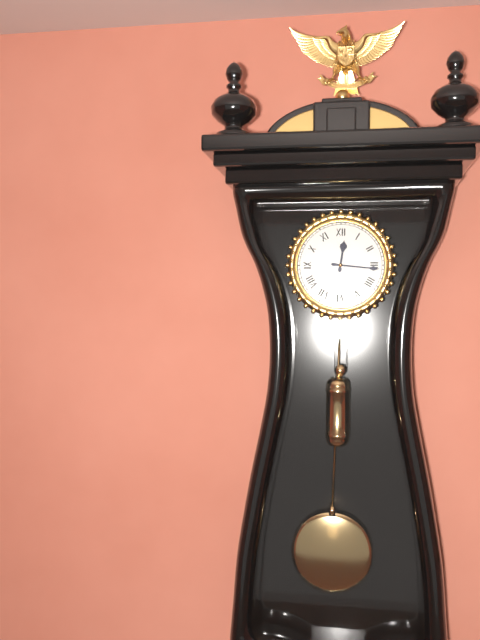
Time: h=12 m=16
